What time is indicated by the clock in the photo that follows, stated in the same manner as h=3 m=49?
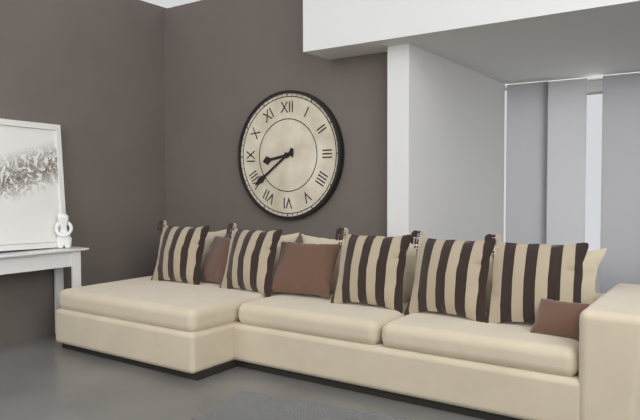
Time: h=8 m=39
